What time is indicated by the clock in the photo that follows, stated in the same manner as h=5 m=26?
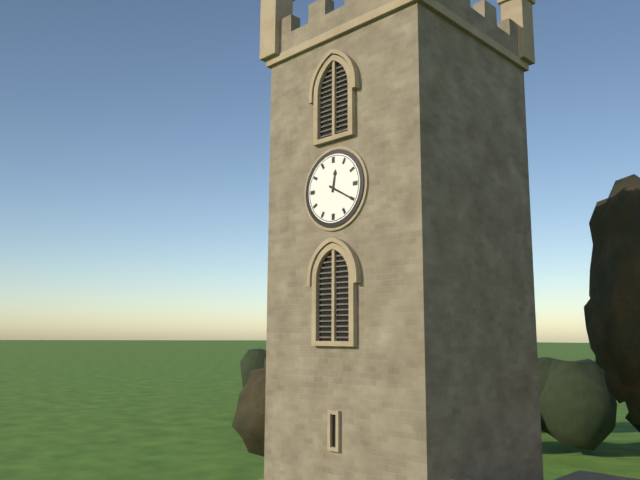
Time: h=12 m=20
